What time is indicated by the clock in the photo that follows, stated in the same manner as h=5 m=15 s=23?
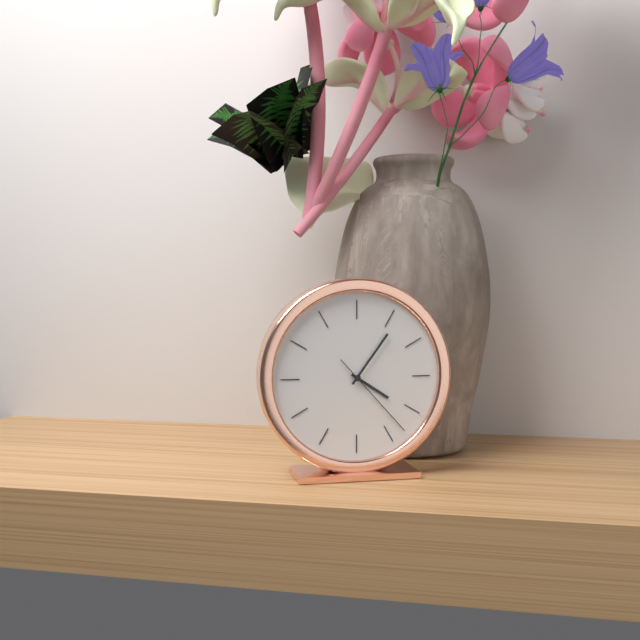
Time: h=4 m=6 s=23
